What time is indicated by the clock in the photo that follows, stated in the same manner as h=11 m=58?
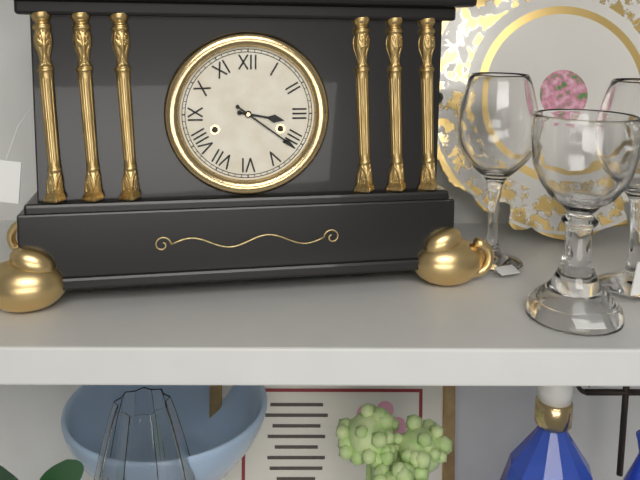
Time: h=3 m=21
